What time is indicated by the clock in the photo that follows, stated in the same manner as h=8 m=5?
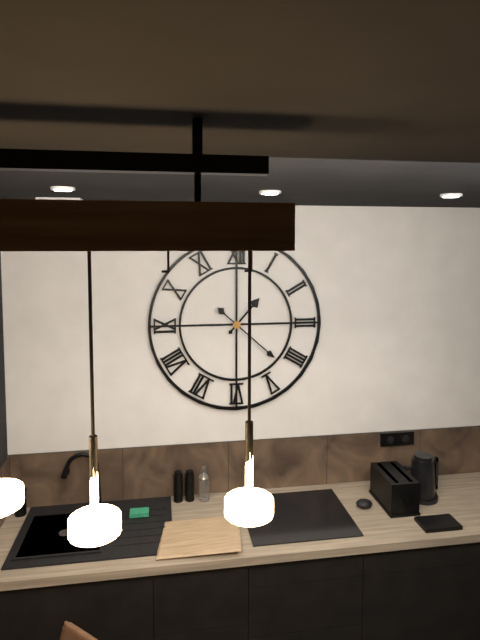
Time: h=1 m=22
